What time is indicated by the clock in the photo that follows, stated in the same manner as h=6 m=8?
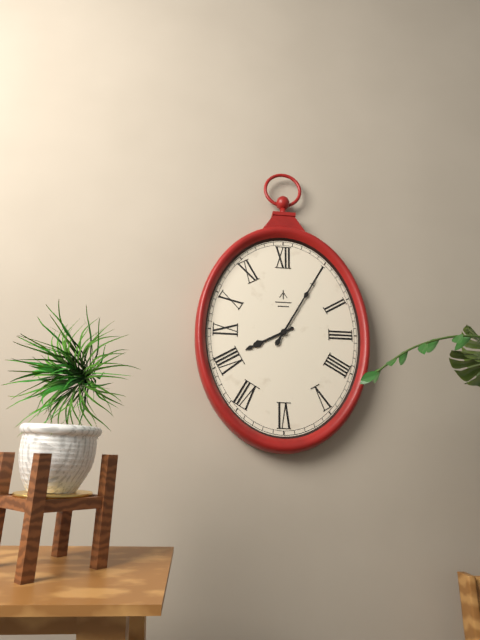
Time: h=8 m=5
